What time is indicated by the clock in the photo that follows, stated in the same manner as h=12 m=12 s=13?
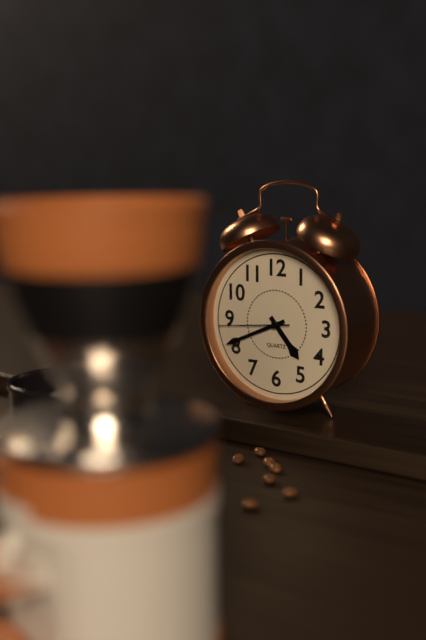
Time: h=4 m=41 s=44
